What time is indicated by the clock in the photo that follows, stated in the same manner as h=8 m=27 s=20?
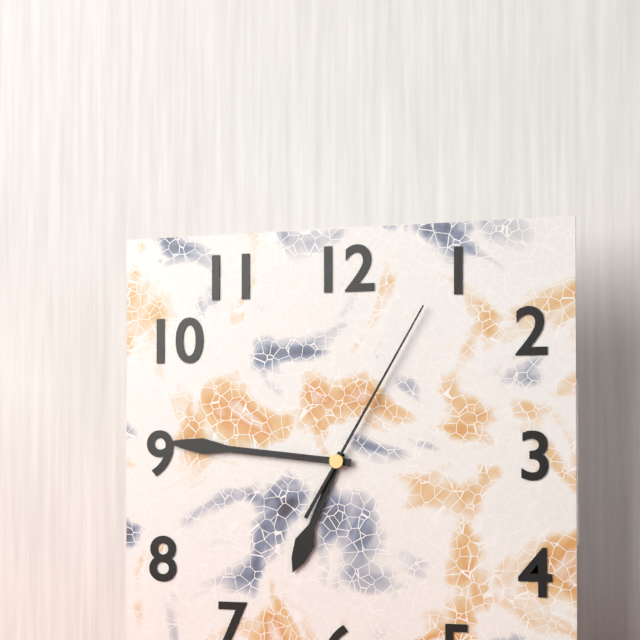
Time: h=6 m=46 s=5
